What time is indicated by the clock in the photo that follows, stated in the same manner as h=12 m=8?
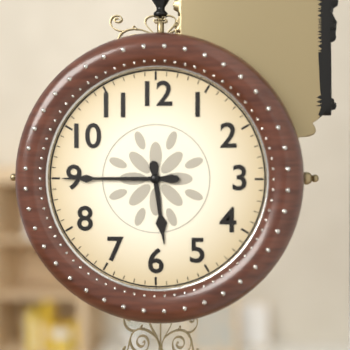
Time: h=5 m=45
